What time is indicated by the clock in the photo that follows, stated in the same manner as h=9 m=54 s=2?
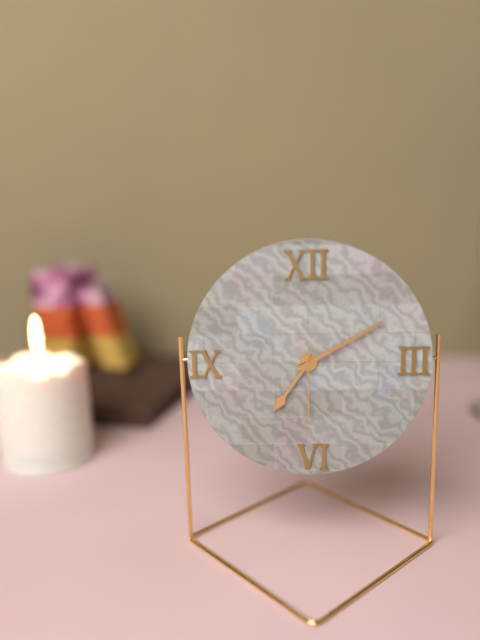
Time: h=7 m=10 s=30
